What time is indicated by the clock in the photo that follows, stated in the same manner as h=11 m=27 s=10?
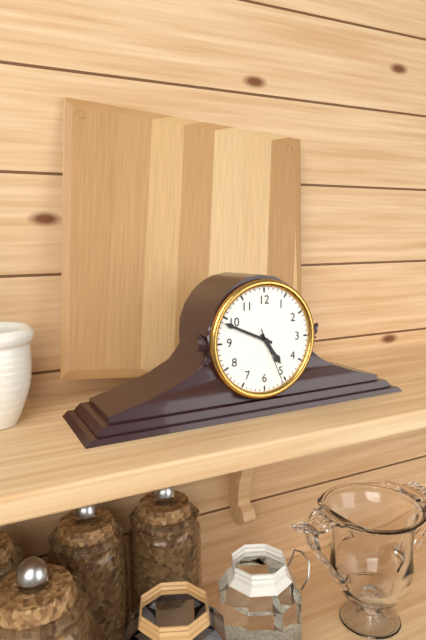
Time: h=4 m=49 s=26
